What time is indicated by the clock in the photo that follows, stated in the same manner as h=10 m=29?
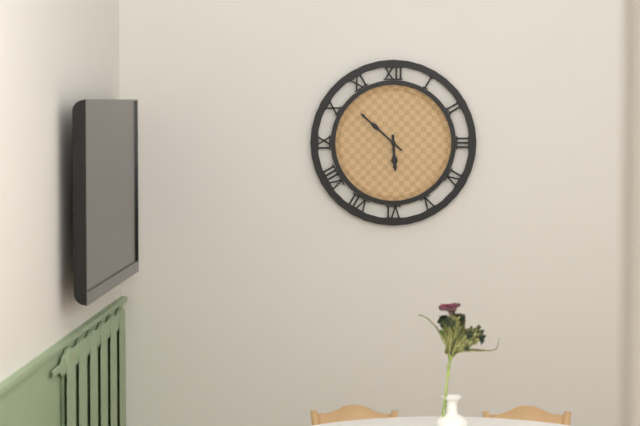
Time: h=5 m=52
